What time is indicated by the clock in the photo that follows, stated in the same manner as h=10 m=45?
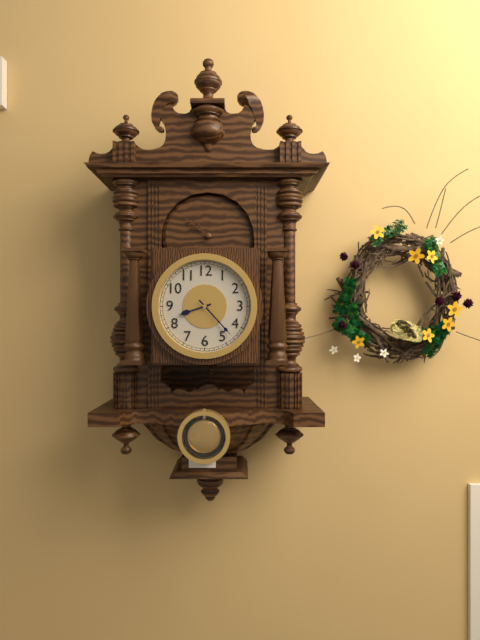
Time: h=8 m=23
